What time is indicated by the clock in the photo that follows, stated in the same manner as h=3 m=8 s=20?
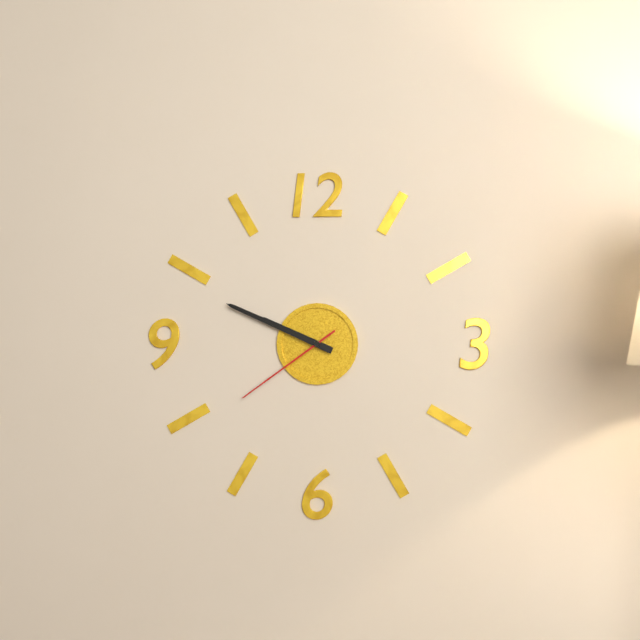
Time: h=9 m=49 s=39
